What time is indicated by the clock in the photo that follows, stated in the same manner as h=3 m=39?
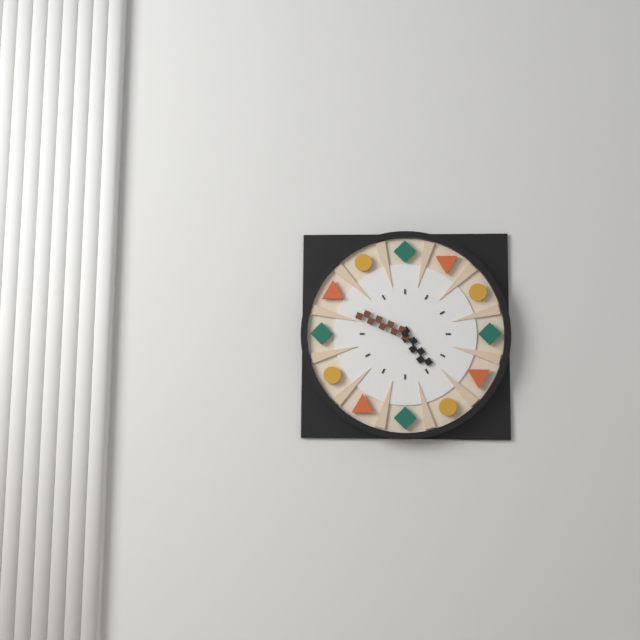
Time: h=4 m=49
